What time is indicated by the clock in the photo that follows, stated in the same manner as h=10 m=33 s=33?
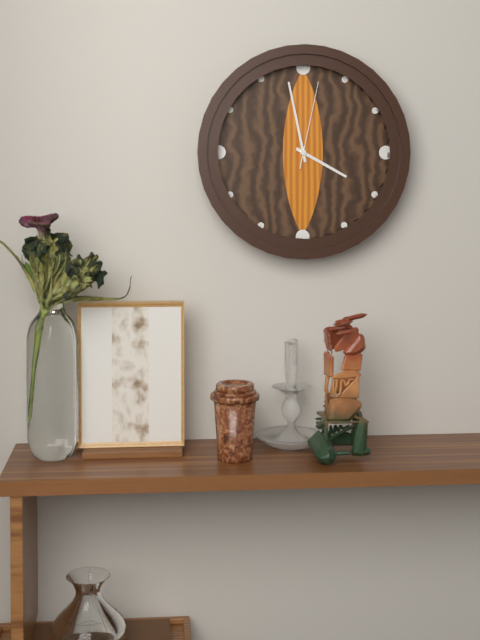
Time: h=3 m=58 s=2
